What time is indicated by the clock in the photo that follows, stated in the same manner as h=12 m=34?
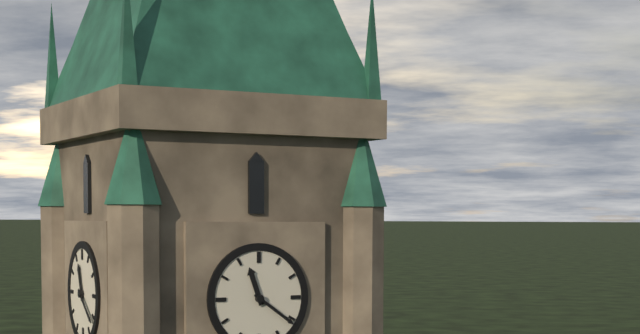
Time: h=11 m=21
